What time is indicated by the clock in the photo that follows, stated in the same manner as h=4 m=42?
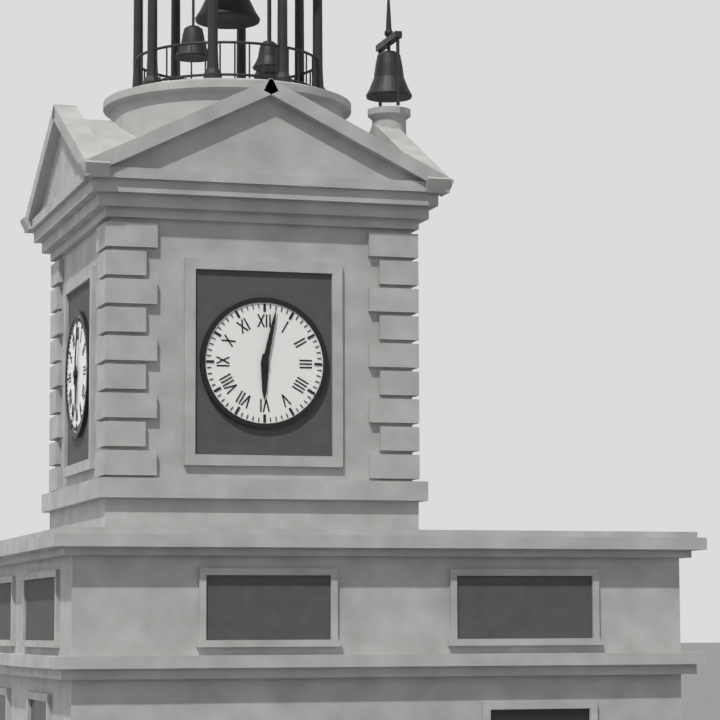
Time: h=6 m=2
